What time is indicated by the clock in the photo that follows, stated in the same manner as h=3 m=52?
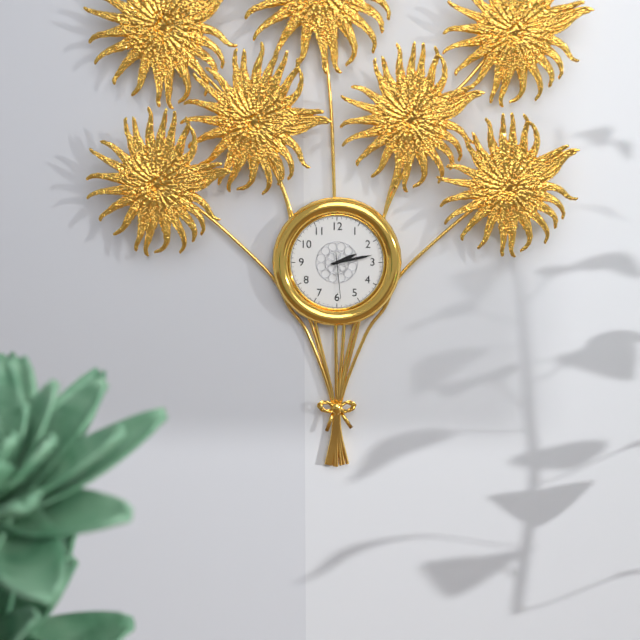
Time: h=2 m=13
